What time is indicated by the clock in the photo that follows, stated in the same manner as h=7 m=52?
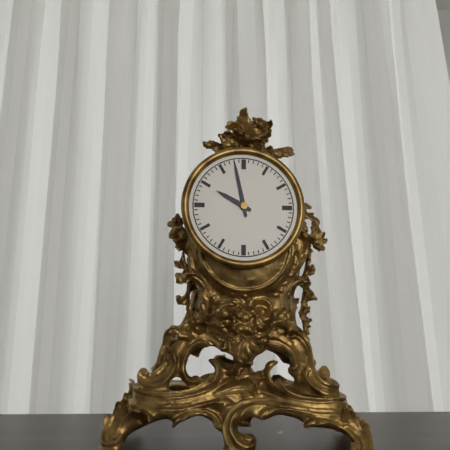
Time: h=9 m=58
